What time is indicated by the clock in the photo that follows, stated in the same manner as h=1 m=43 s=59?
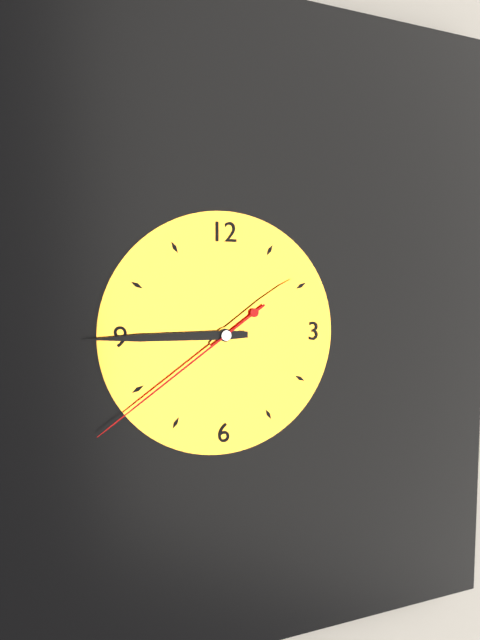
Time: h=1 m=45 s=39
